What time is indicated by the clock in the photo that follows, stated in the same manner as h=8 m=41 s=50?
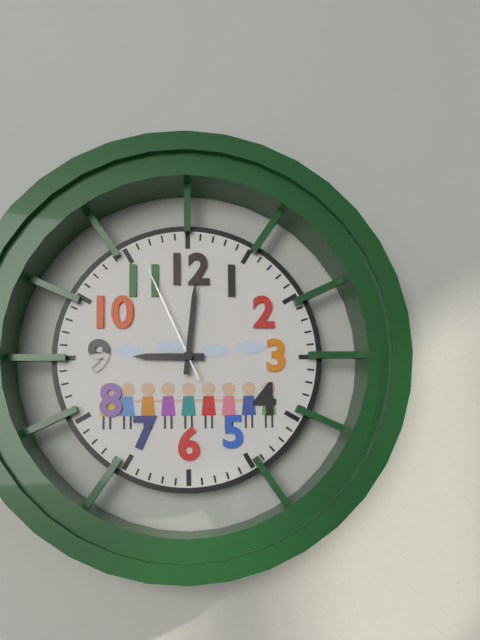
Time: h=9 m=1 s=56
